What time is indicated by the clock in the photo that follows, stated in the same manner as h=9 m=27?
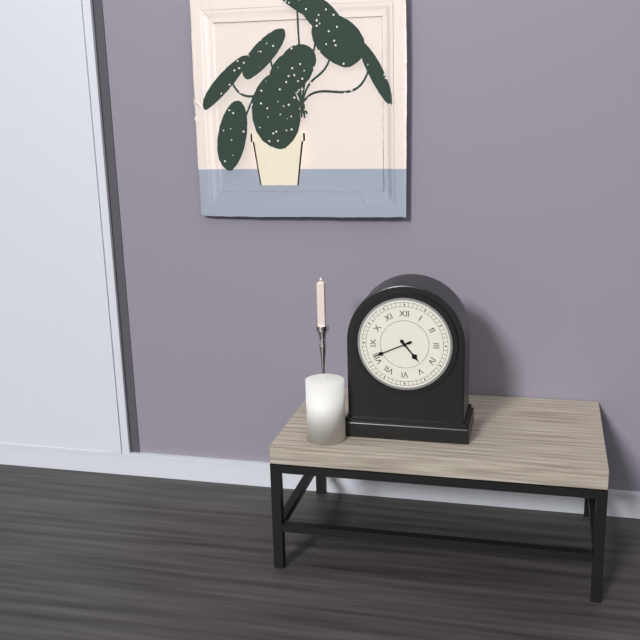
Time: h=4 m=41
